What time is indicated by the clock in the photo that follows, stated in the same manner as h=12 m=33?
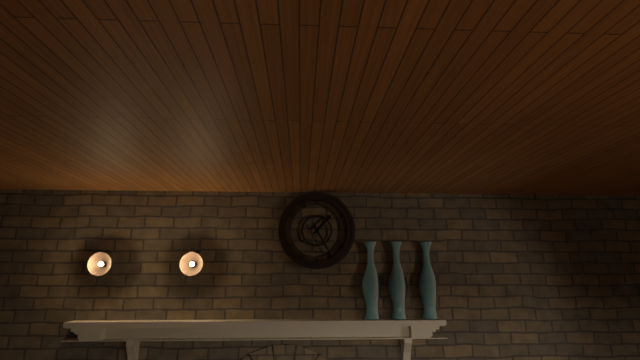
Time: h=1 m=25
